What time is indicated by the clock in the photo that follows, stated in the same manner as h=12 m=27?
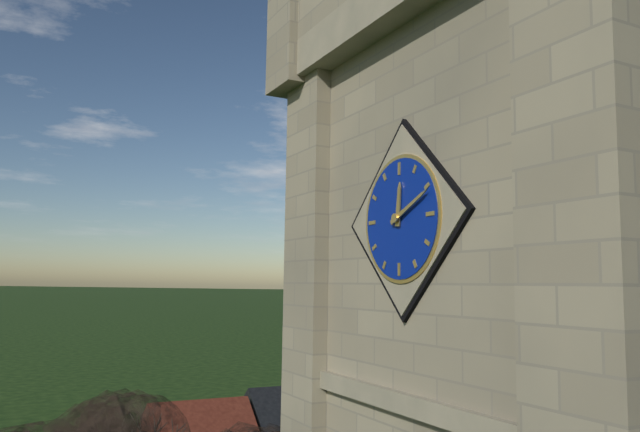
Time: h=12 m=11
